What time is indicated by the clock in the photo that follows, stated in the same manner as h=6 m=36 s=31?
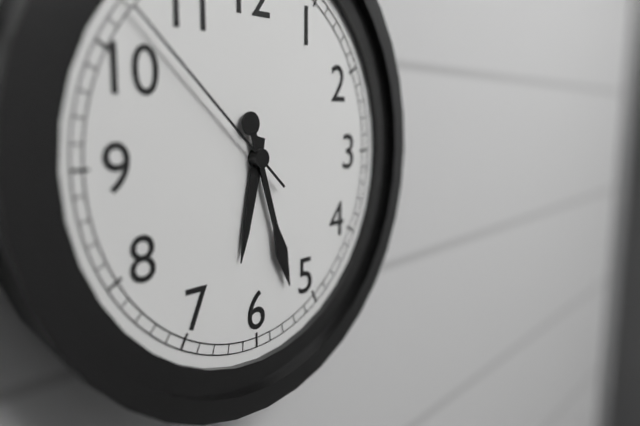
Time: h=6 m=27 s=52
